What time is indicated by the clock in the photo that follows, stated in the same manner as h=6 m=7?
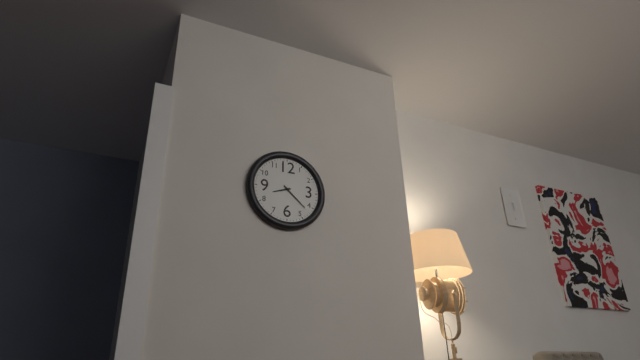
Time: h=8 m=22
